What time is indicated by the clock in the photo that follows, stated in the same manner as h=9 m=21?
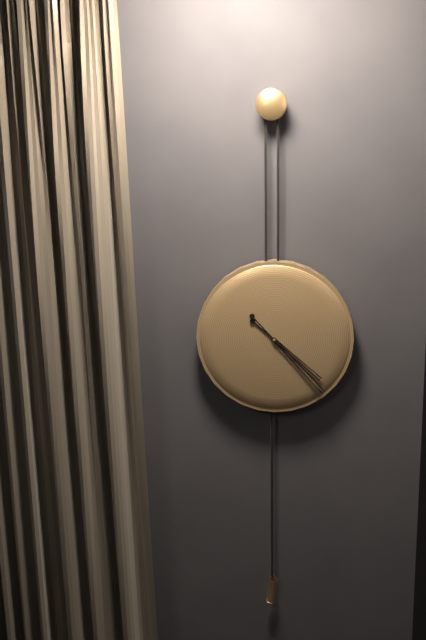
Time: h=4 m=23
